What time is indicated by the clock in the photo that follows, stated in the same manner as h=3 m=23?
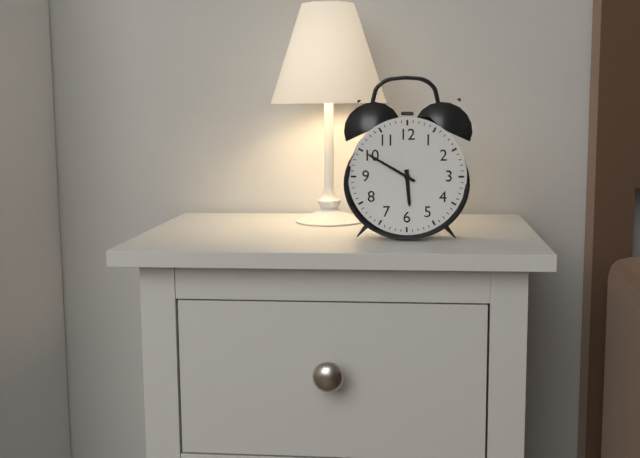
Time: h=5 m=50
